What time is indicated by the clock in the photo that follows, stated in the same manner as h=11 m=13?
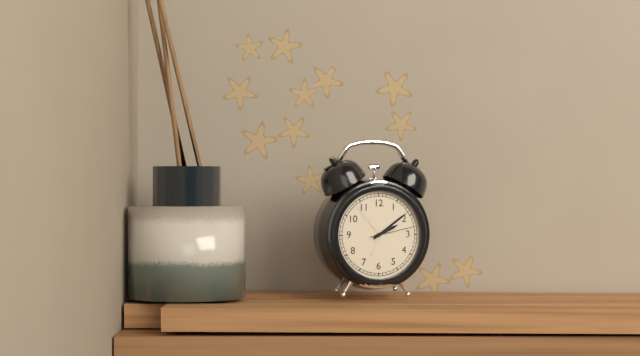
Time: h=2 m=9
